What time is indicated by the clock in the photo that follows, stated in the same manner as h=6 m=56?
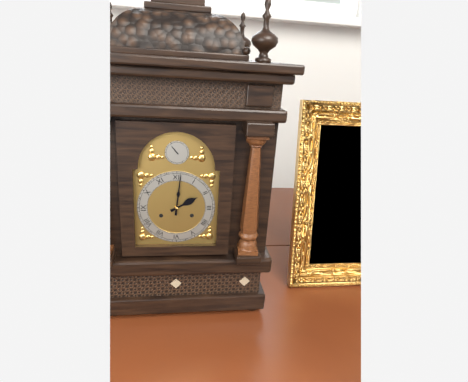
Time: h=2 m=1
